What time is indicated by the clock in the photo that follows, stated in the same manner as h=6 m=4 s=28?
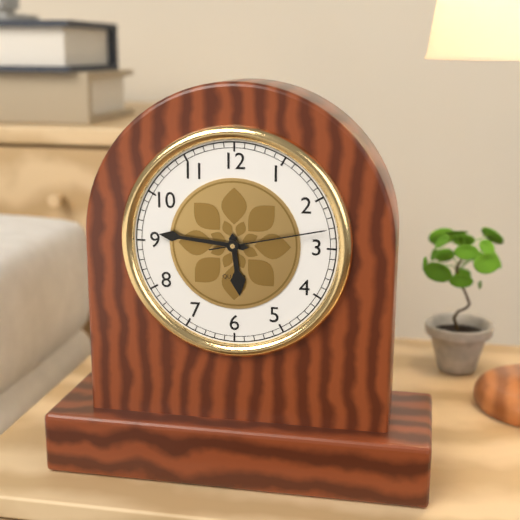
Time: h=5 m=46 s=13
